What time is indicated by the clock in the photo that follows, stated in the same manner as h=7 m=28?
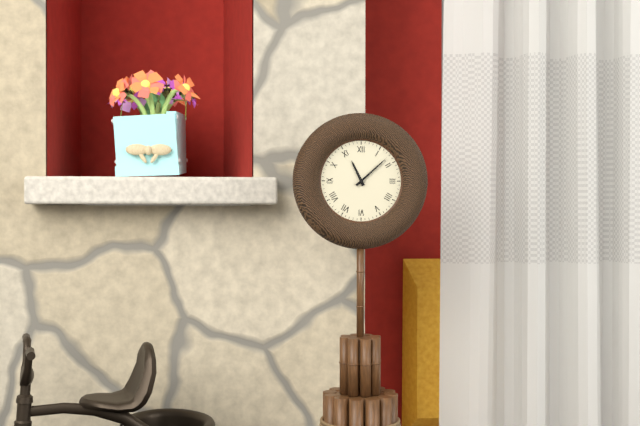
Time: h=11 m=8
